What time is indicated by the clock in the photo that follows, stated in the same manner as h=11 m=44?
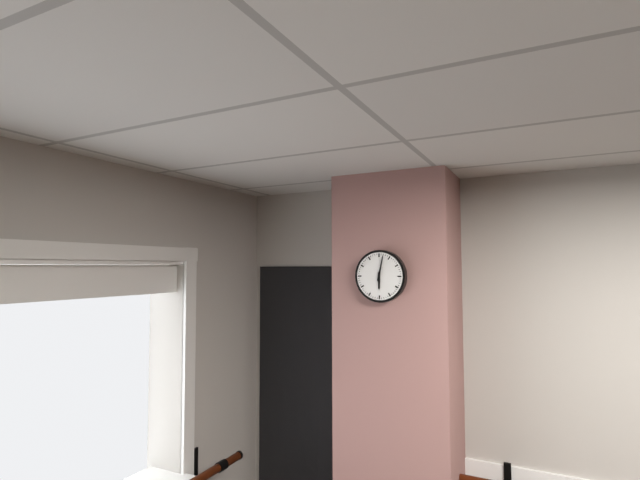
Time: h=6 m=2
